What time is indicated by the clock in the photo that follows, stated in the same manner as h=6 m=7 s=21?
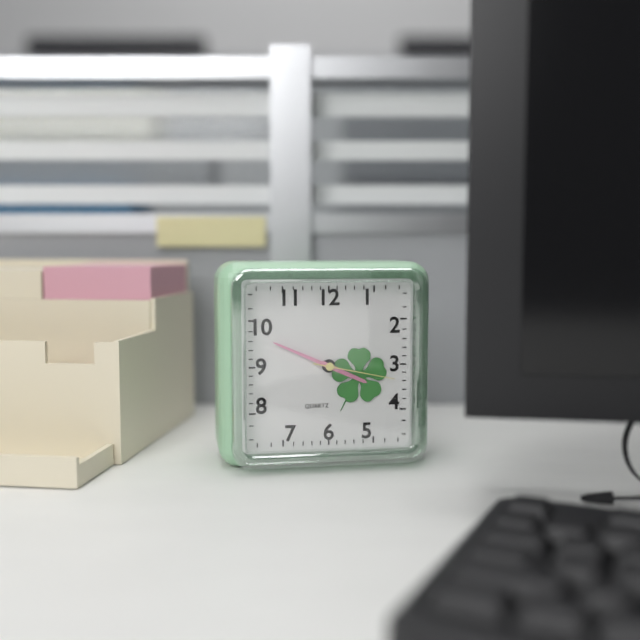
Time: h=3 m=49 s=17
